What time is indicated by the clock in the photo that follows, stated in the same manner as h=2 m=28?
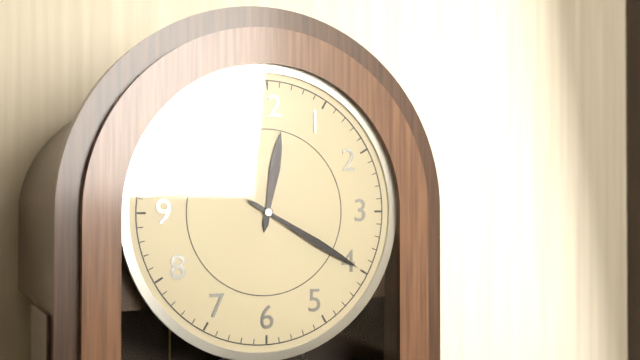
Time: h=12 m=20
